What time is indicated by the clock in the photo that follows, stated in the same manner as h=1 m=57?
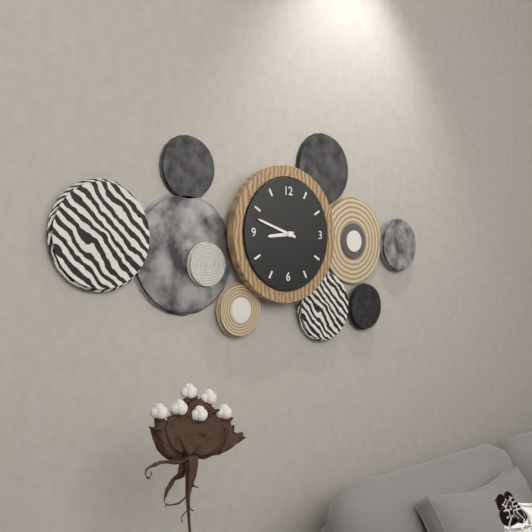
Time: h=8 m=48
